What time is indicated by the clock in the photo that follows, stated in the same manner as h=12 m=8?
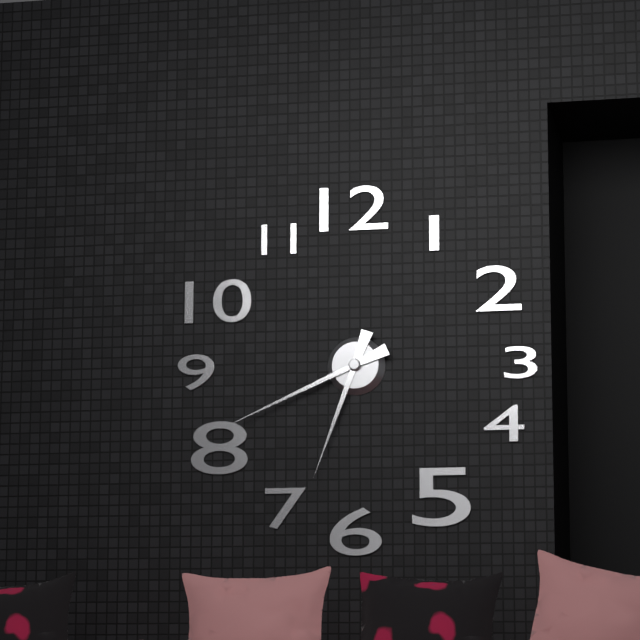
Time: h=6 m=41
